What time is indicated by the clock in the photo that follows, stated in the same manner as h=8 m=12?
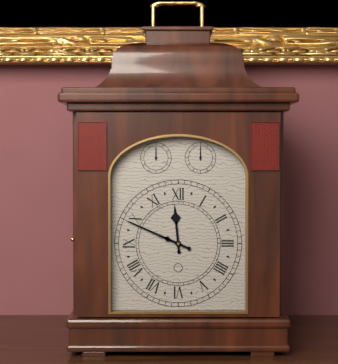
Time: h=11 m=49
